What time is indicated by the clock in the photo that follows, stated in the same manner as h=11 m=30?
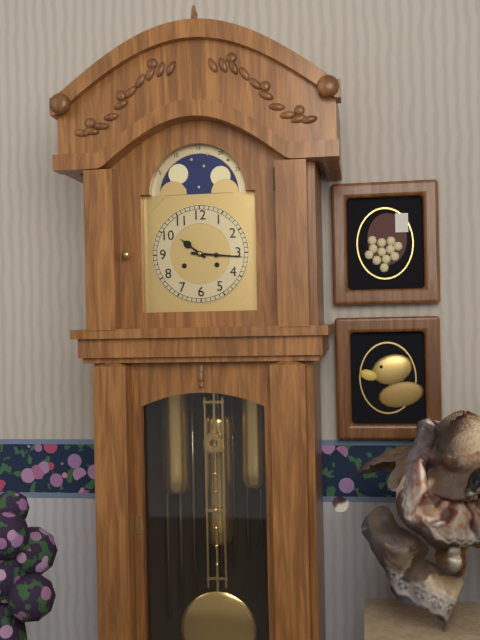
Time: h=10 m=16
